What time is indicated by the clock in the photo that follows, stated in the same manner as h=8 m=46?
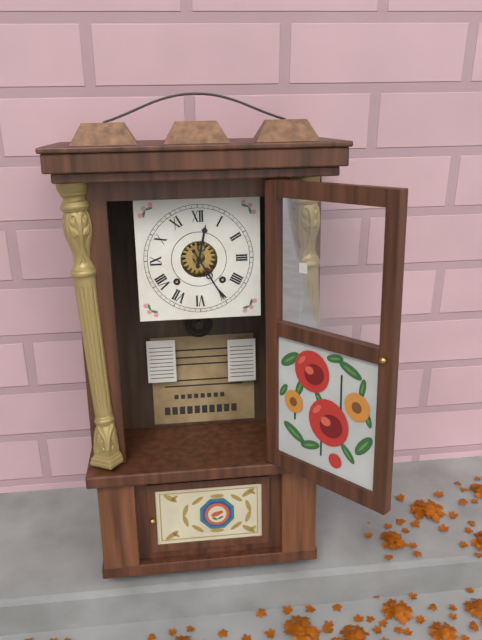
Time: h=12 m=25
